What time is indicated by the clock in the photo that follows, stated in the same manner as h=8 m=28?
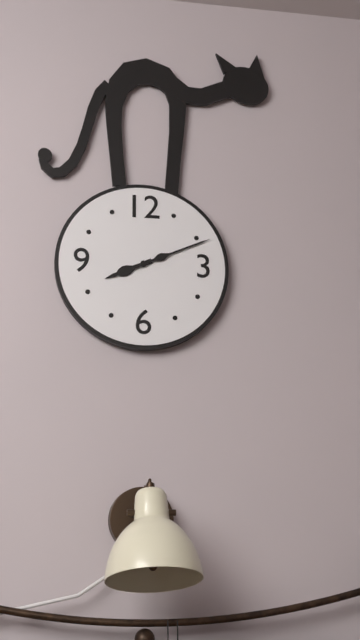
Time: h=8 m=11
